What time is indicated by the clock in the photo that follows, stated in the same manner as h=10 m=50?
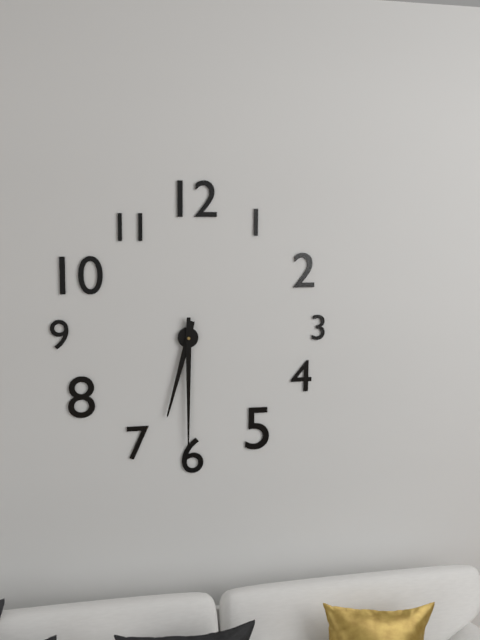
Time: h=6 m=30
